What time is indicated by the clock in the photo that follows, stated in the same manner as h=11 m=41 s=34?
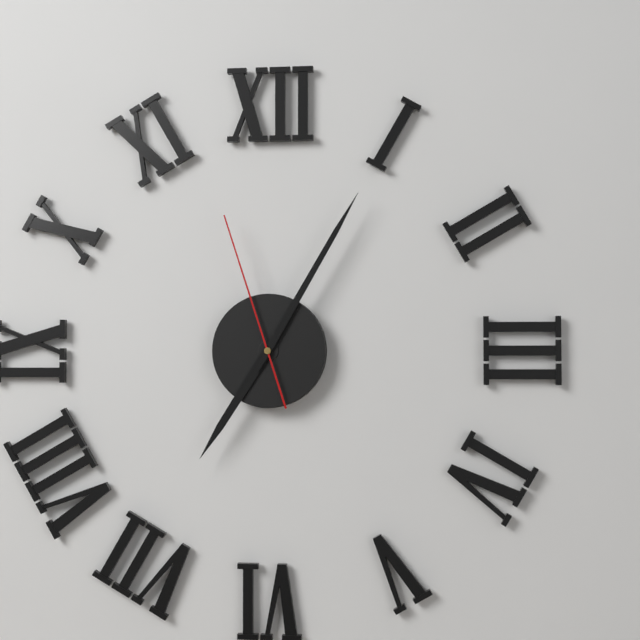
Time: h=7 m=5 s=57
